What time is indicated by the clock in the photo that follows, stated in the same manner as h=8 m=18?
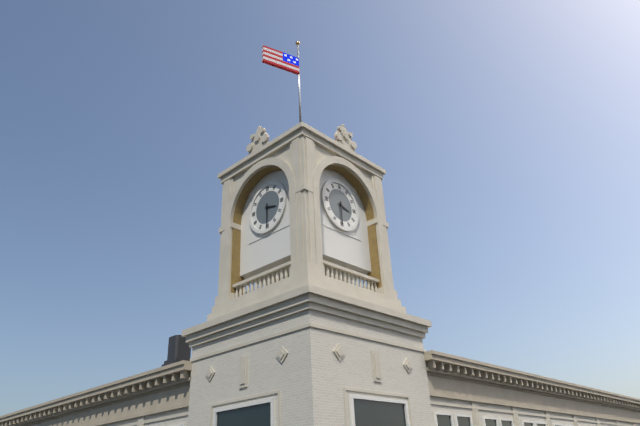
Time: h=3 m=30
